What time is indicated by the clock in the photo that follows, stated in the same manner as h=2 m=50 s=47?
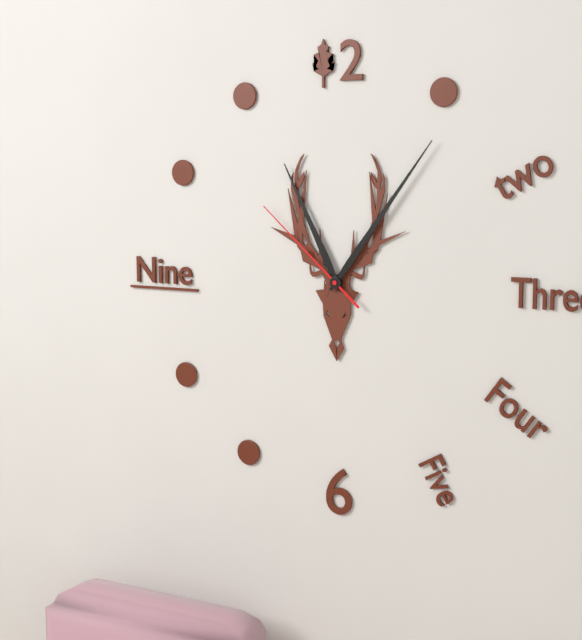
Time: h=11 m=6 s=52
